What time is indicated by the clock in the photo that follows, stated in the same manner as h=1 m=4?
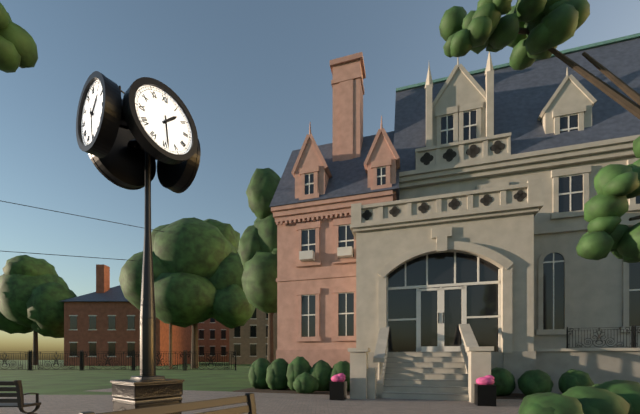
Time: h=1 m=29
